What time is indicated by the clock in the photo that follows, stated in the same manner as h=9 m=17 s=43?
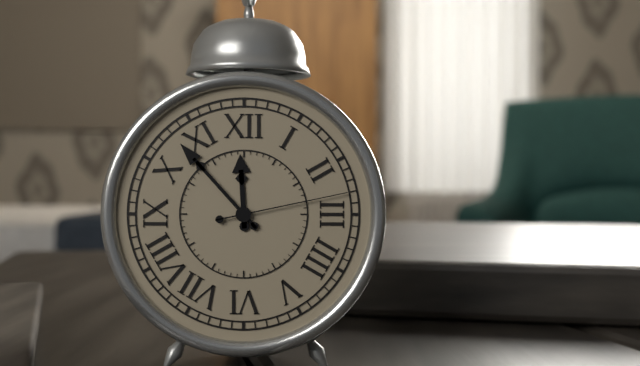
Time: h=11 m=53 s=13
